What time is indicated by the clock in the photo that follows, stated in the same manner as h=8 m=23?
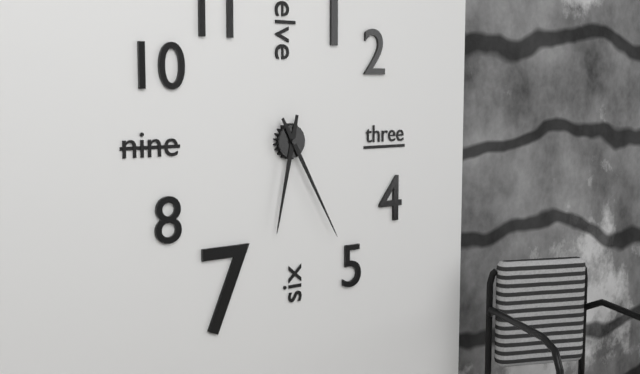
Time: h=6 m=25
